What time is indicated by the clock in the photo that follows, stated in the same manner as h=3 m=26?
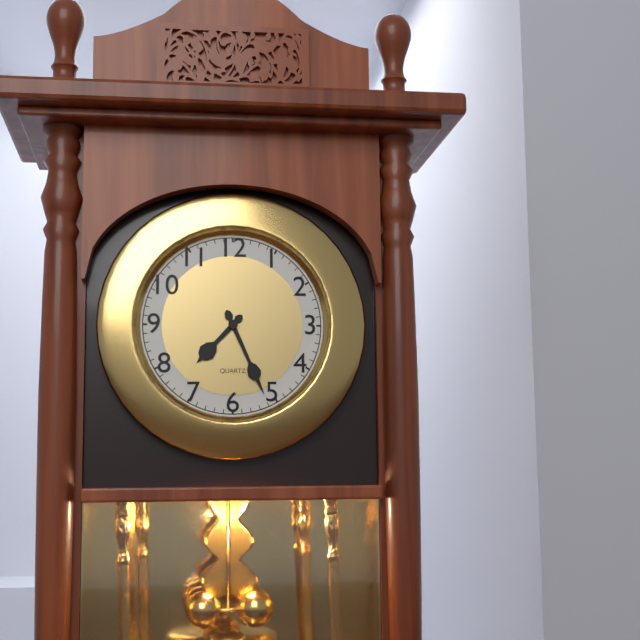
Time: h=7 m=26
